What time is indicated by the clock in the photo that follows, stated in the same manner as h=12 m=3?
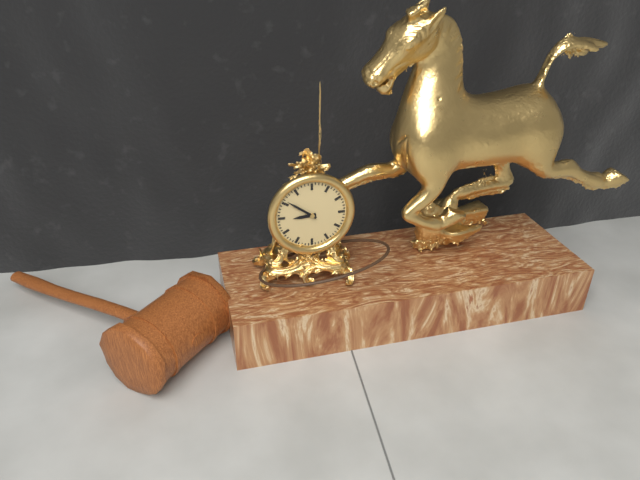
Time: h=8 m=51
